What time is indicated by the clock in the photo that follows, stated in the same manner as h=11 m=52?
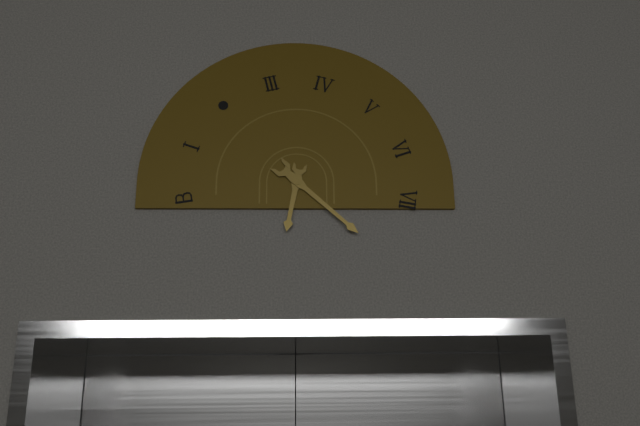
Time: h=6 m=22
